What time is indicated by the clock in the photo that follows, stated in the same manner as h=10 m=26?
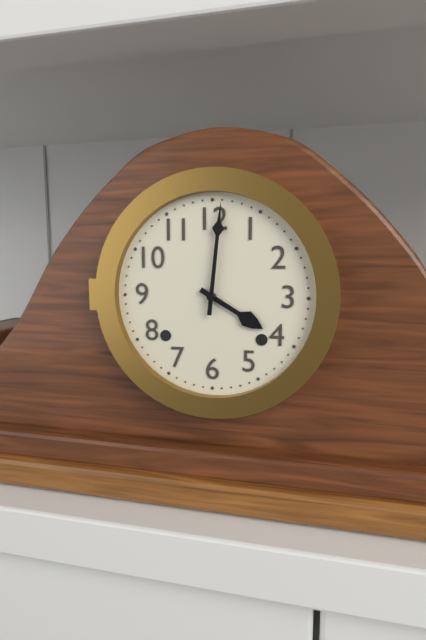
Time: h=4 m=1
